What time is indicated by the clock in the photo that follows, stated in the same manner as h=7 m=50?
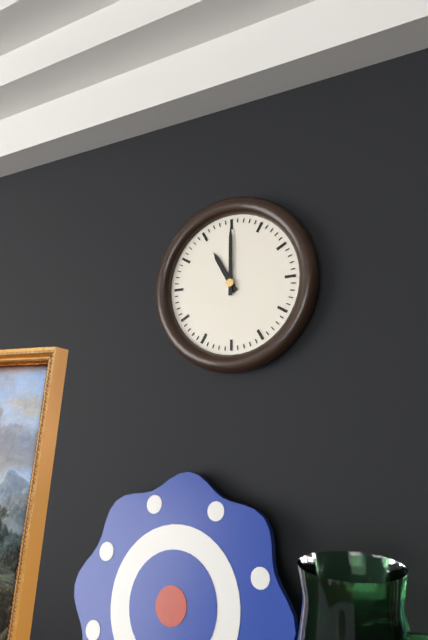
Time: h=11 m=0
